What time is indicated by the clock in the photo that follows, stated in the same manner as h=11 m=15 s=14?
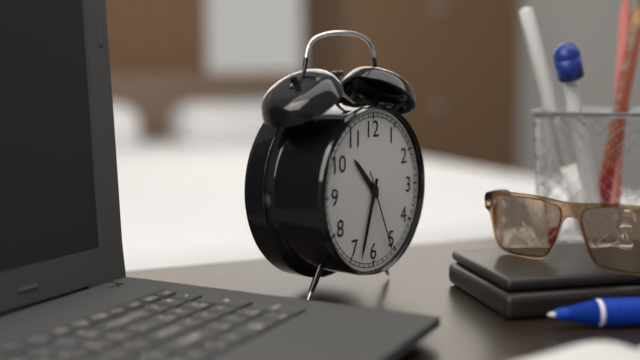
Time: h=10 m=33 s=26
